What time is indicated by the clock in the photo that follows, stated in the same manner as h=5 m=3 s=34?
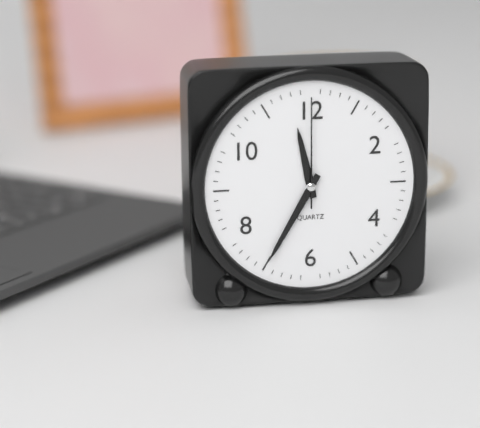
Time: h=11 m=35 s=0
